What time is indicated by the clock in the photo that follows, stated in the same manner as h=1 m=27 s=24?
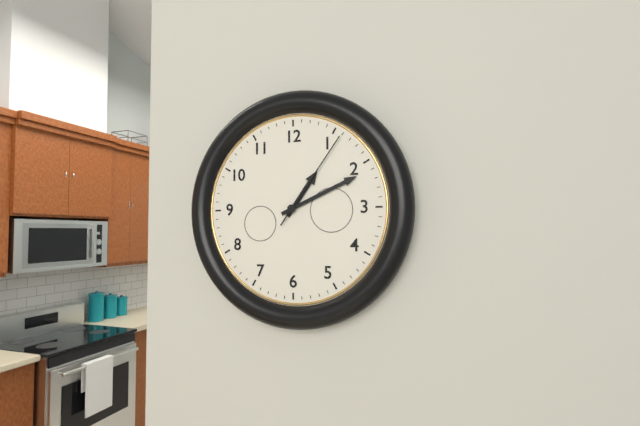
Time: h=1 m=11 s=6
